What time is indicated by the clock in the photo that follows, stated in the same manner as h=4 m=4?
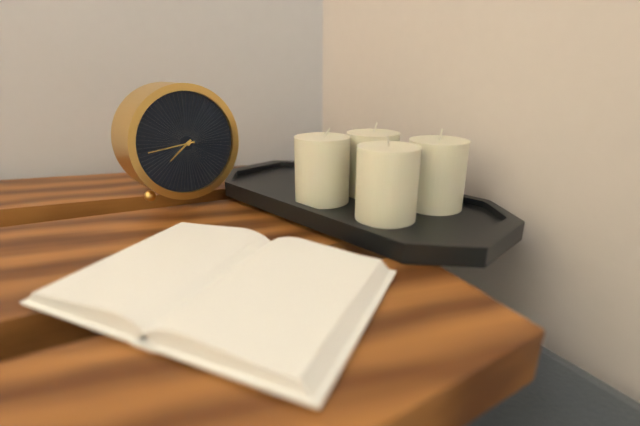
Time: h=7 m=44
